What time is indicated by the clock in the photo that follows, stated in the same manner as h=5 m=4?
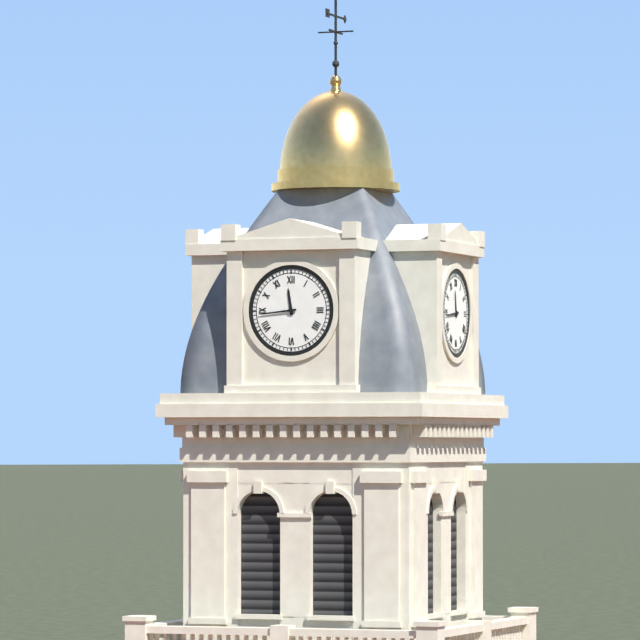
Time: h=11 m=44
